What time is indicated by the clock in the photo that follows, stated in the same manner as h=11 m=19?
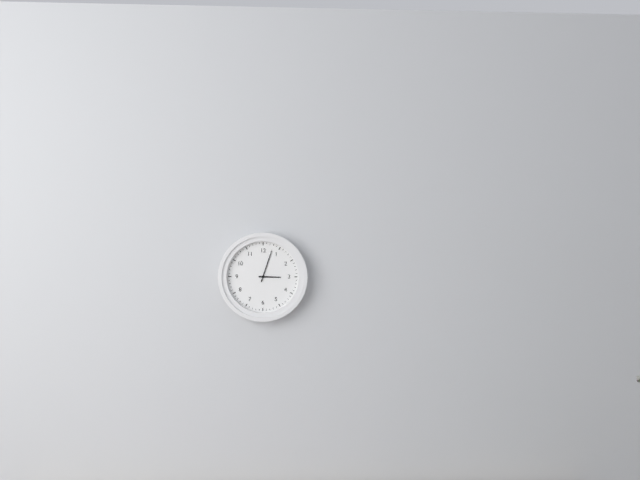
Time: h=3 m=3
